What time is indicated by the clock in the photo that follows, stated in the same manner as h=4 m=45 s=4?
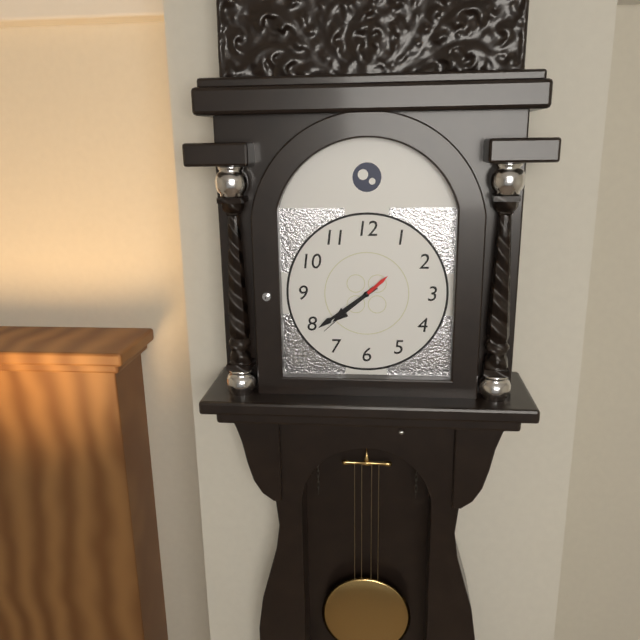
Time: h=7 m=39 s=38
